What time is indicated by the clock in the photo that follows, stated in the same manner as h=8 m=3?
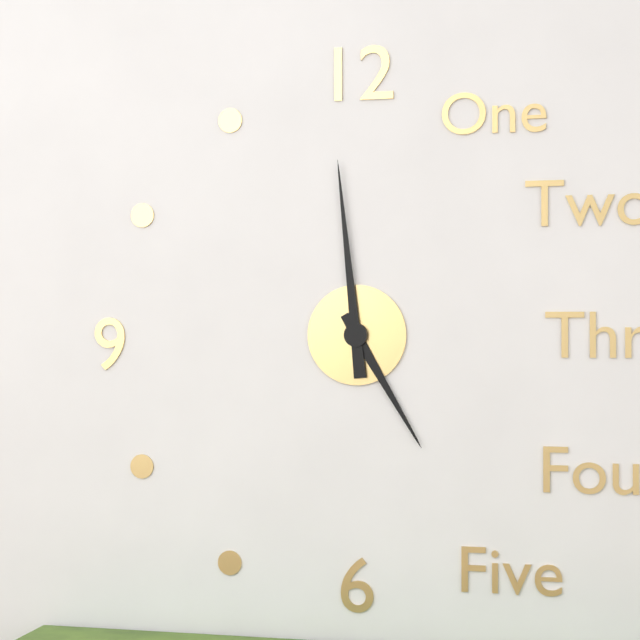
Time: h=4 m=59
